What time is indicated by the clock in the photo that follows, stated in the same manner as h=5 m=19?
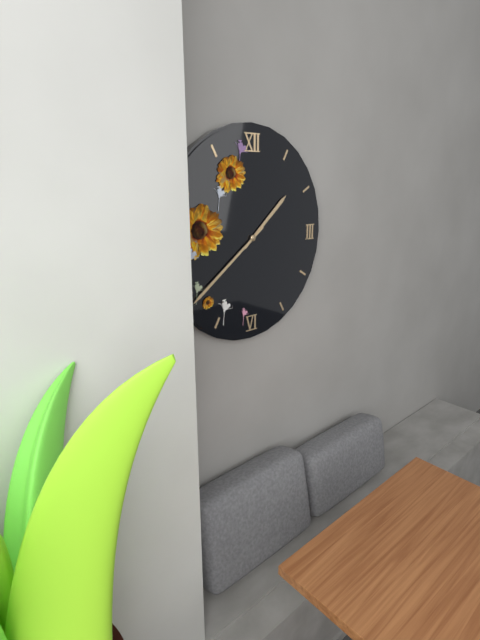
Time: h=1 m=39
